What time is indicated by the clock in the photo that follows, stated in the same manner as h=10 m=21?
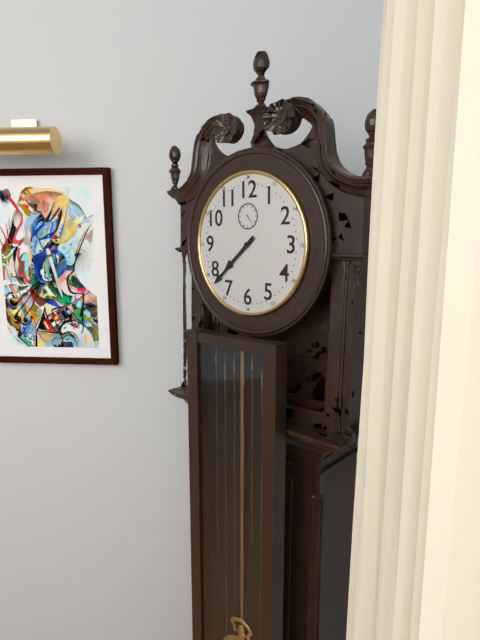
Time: h=7 m=38
